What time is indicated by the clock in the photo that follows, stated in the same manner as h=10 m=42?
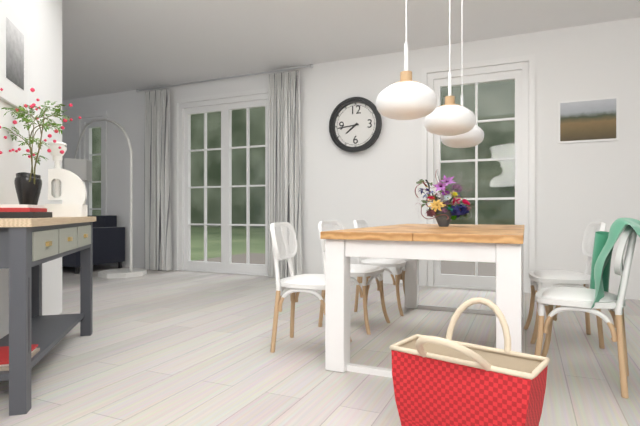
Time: h=7 m=44
